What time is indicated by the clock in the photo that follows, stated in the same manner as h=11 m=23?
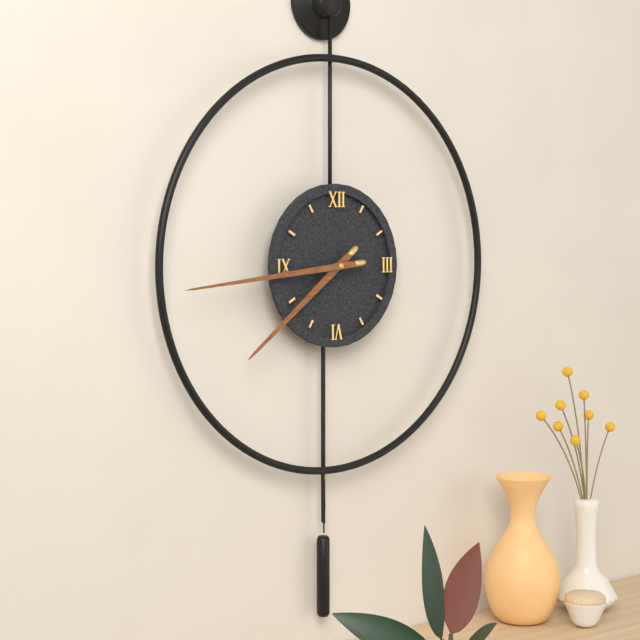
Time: h=7 m=44
